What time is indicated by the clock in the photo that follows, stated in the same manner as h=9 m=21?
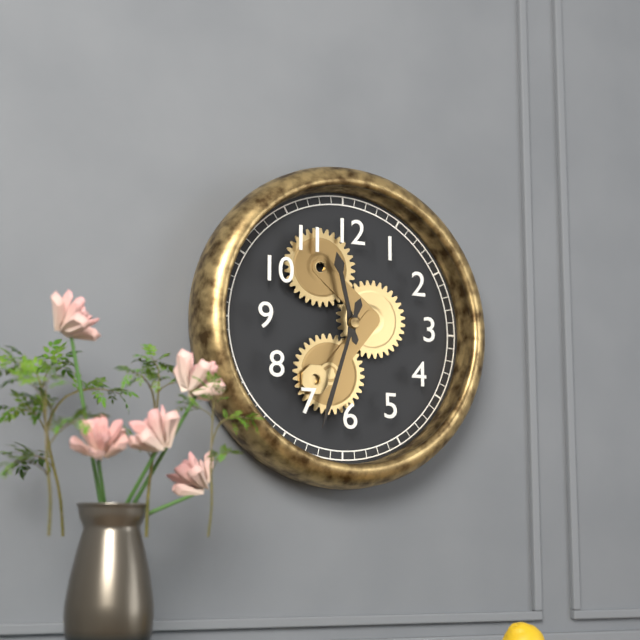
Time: h=11 m=33
